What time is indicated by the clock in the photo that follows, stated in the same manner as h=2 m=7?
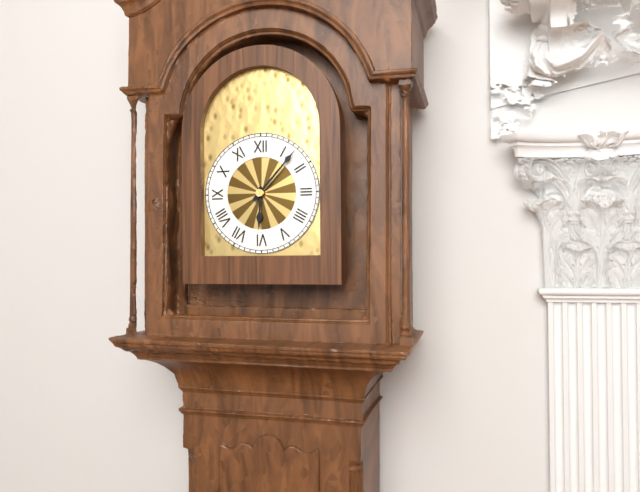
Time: h=6 m=7
